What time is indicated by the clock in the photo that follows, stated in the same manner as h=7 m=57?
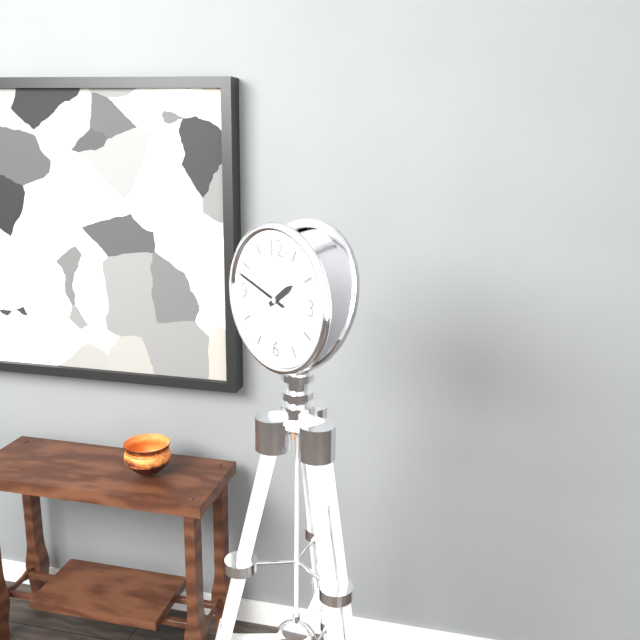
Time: h=1 m=48
